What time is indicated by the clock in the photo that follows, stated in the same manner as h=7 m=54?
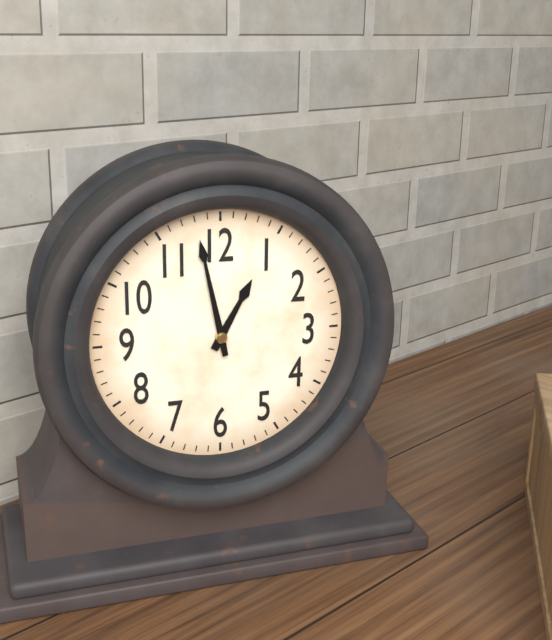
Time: h=12 m=58
